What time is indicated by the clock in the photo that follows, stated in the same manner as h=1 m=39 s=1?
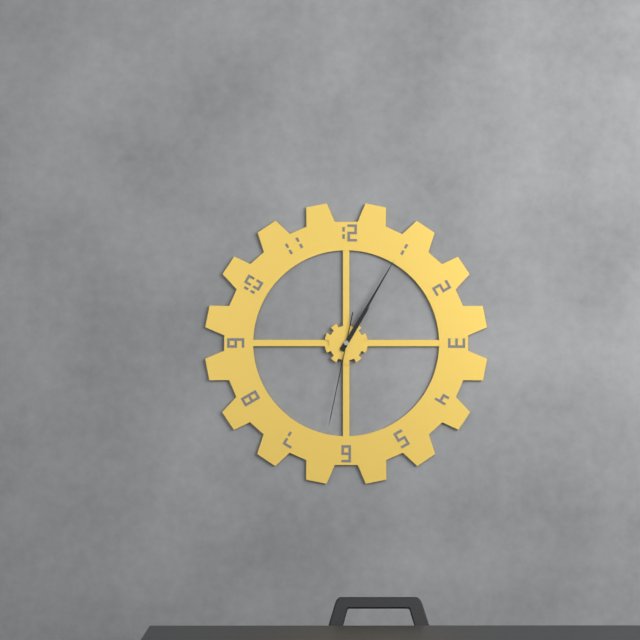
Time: h=1 m=5 s=32
